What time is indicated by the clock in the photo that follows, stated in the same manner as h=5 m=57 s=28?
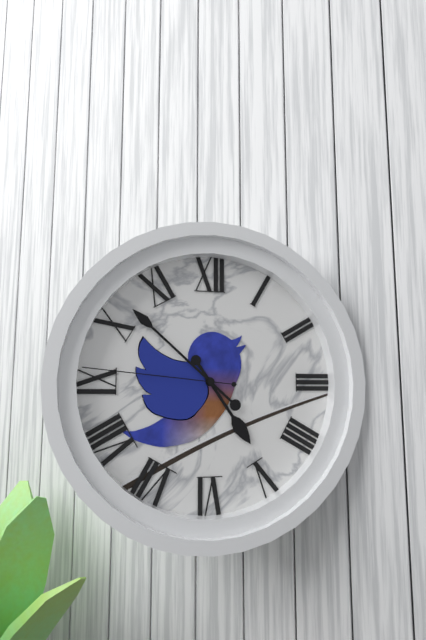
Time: h=4 m=52 s=46
